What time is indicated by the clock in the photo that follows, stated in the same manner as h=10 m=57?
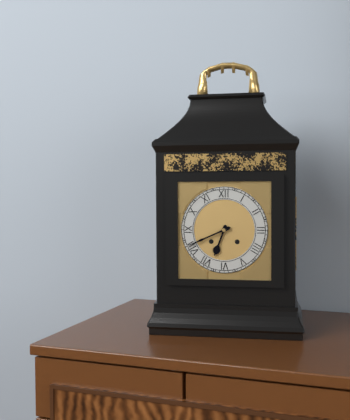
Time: h=6 m=41
